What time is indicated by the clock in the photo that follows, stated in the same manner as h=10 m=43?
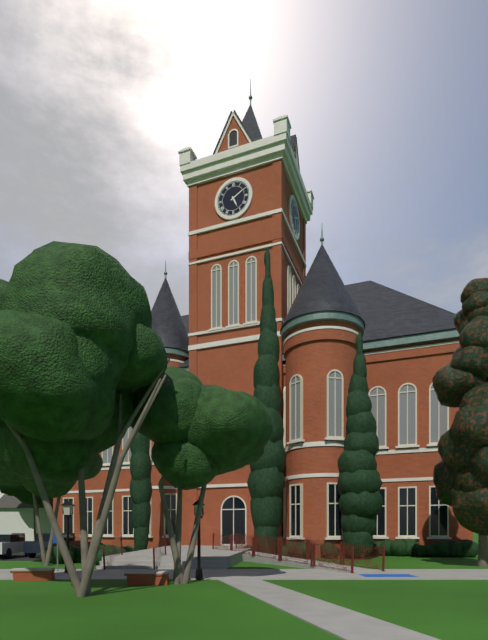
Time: h=5 m=10
